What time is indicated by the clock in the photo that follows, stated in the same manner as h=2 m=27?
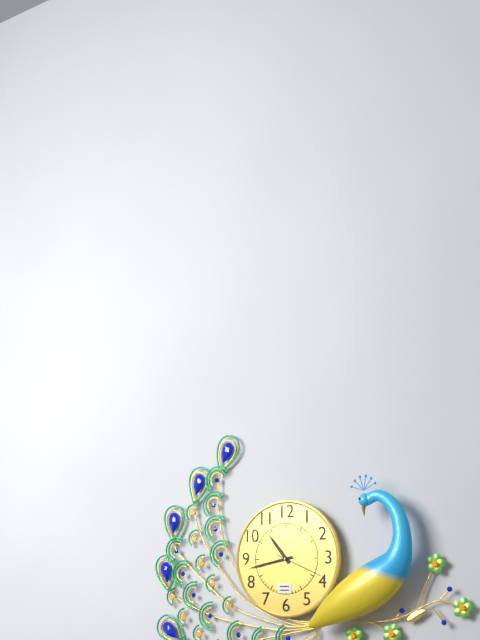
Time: h=10 m=43
